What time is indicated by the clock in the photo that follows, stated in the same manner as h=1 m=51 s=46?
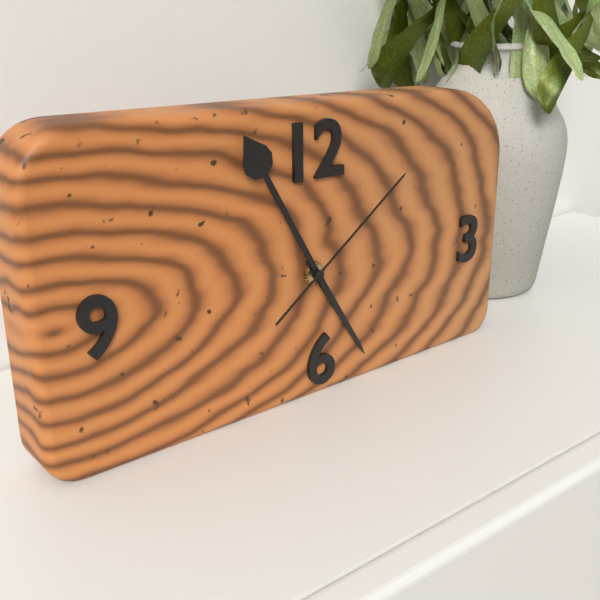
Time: h=4 m=55 s=9
